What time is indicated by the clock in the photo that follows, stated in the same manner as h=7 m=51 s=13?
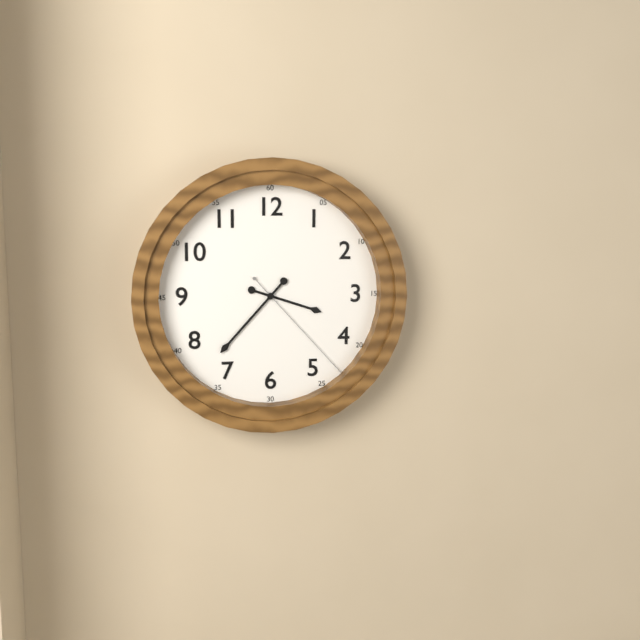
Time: h=3 m=37 s=23
